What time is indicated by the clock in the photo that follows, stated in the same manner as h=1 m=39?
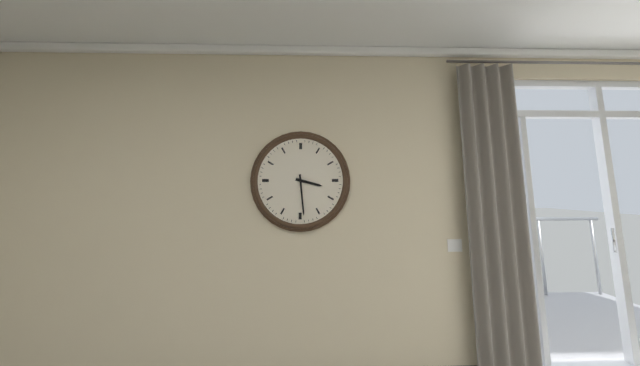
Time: h=3 m=29
